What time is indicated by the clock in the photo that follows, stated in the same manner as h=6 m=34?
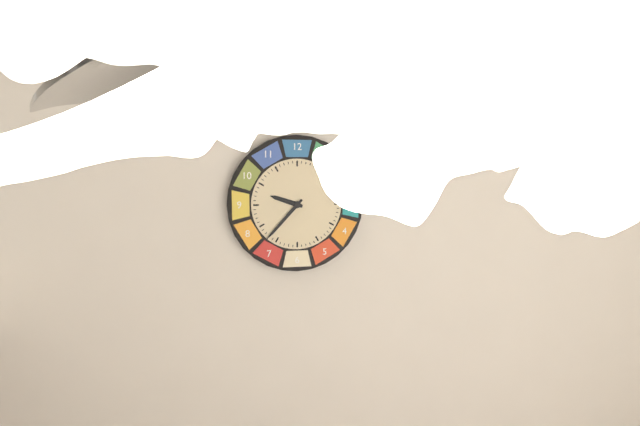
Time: h=9 m=37
